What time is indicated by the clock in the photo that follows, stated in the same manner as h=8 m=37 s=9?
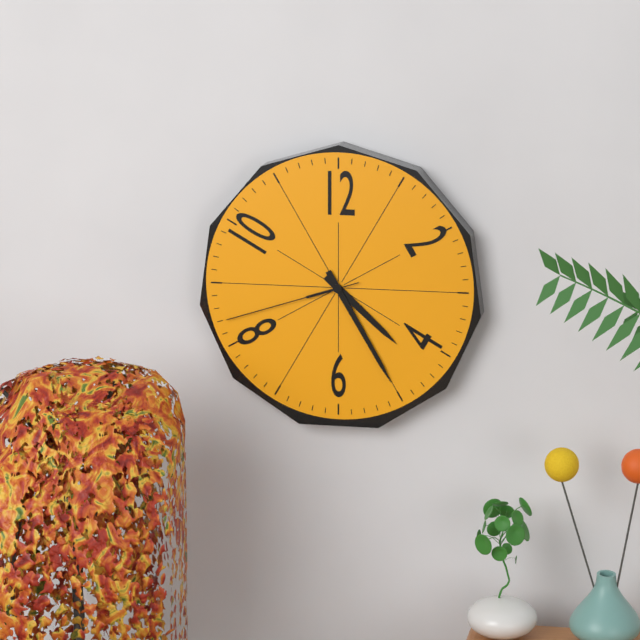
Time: h=4 m=25 s=42
